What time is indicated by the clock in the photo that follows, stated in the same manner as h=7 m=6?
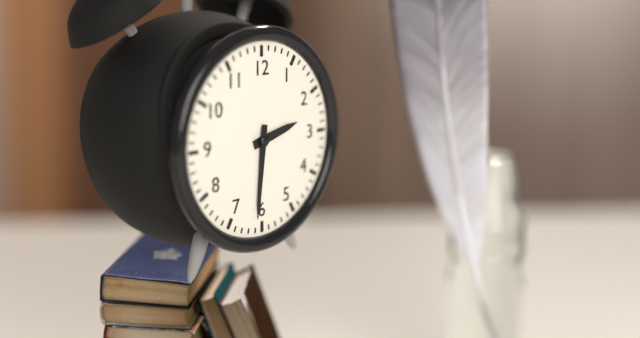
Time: h=2 m=31
